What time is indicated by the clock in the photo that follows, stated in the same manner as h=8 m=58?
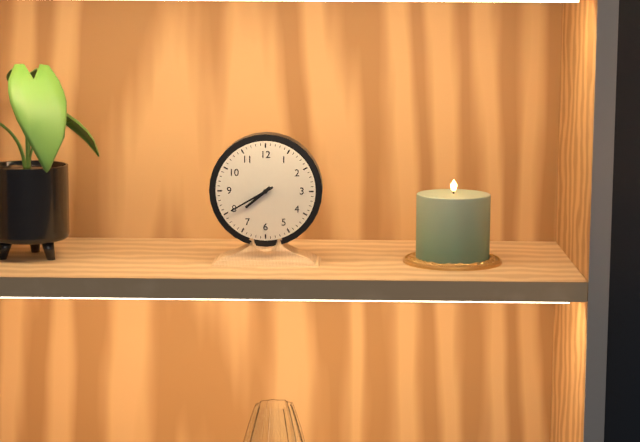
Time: h=7 m=40
